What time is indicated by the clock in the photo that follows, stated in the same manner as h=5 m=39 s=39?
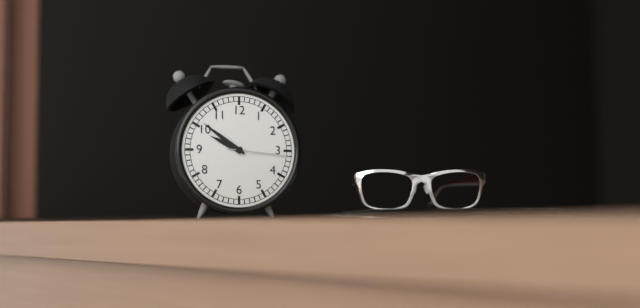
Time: h=9 m=51 s=16
